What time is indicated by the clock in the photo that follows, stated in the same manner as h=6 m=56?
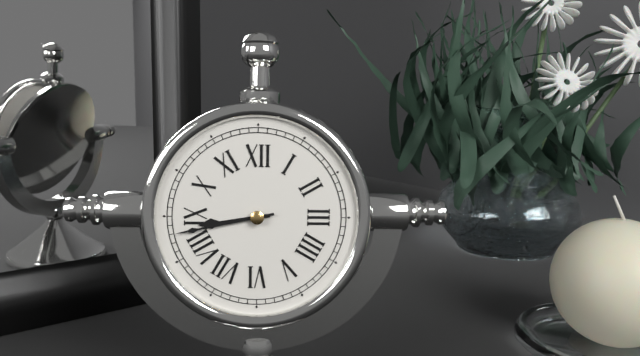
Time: h=8 m=43
